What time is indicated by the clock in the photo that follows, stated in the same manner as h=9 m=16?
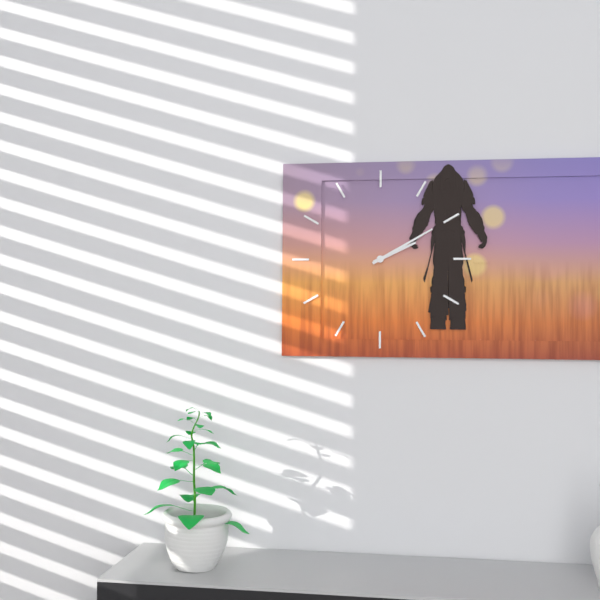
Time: h=2 m=10
